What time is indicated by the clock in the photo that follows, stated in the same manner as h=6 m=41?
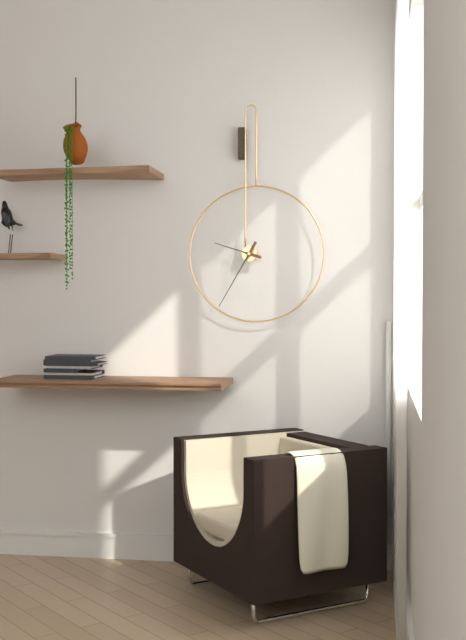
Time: h=9 m=35
